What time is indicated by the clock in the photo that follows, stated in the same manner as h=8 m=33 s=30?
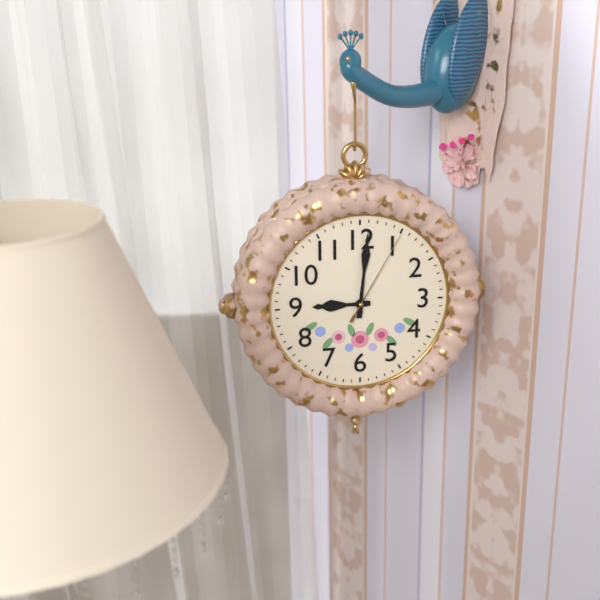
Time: h=9 m=1 s=5
